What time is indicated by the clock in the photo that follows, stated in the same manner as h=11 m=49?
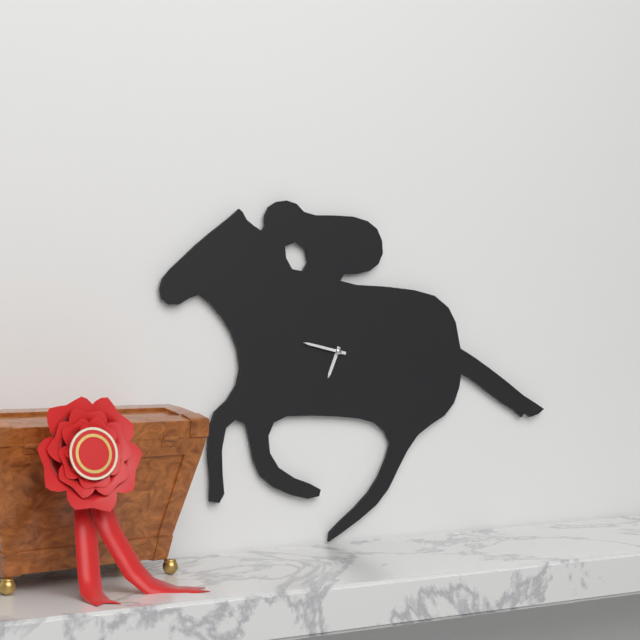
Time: h=6 m=47
